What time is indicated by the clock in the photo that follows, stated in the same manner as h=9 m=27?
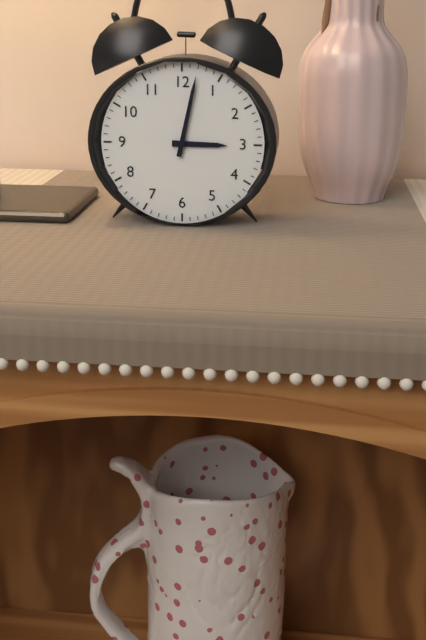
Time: h=3 m=2
